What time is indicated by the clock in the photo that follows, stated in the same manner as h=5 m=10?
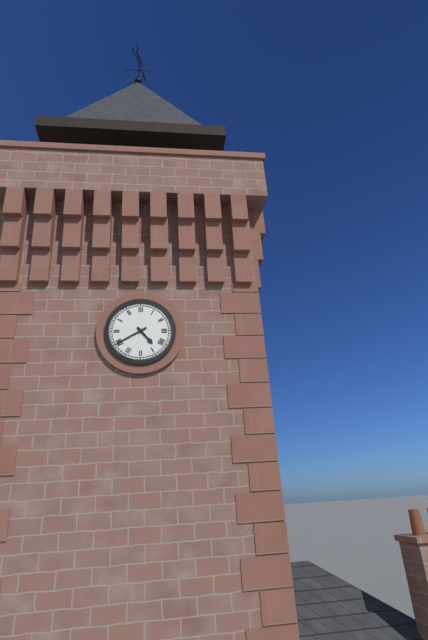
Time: h=4 m=40
